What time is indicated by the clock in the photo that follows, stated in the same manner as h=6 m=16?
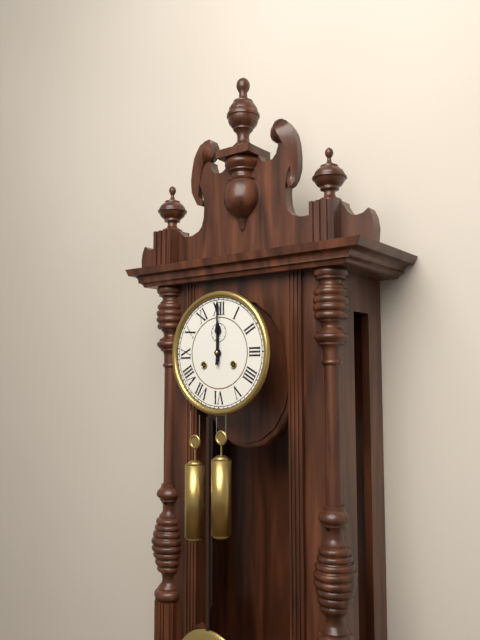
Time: h=12 m=0
